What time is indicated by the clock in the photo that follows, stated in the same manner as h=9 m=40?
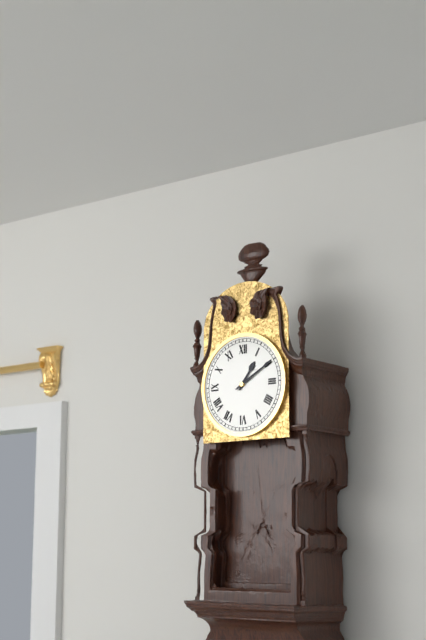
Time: h=1 m=10
